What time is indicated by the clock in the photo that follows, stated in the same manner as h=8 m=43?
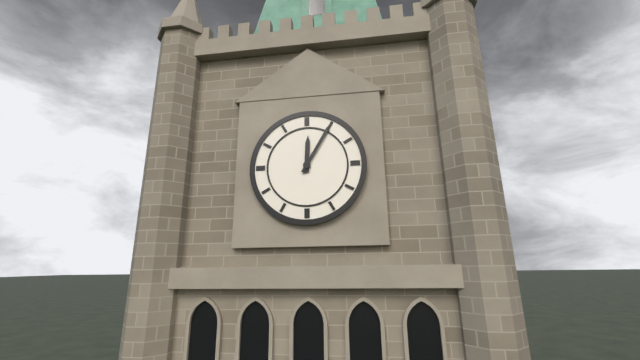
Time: h=12 m=5
